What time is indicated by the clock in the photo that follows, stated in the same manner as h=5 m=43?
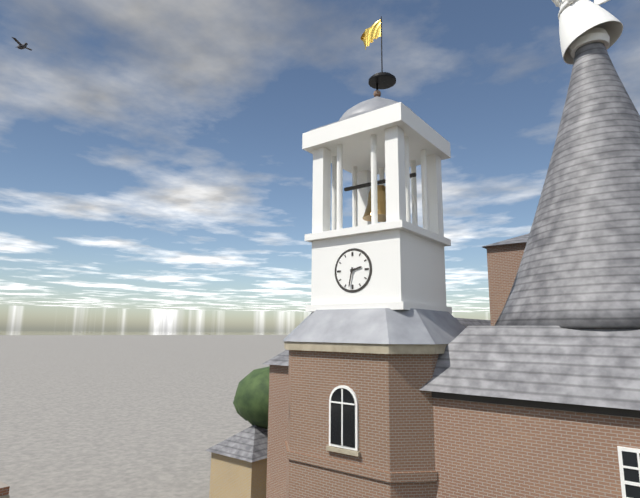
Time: h=2 m=32
